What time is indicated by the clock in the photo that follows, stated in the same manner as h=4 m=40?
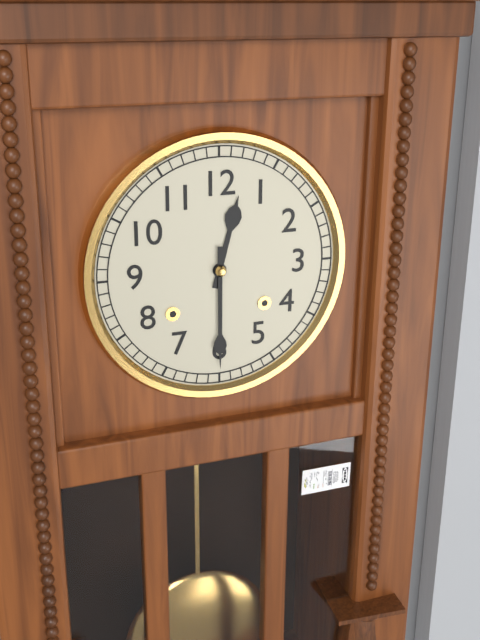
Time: h=12 m=30
